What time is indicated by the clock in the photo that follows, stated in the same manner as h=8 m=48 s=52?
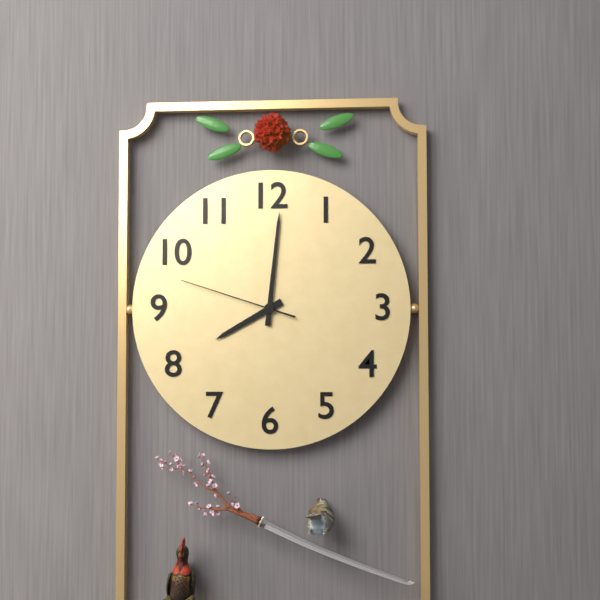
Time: h=8 m=1 s=48
